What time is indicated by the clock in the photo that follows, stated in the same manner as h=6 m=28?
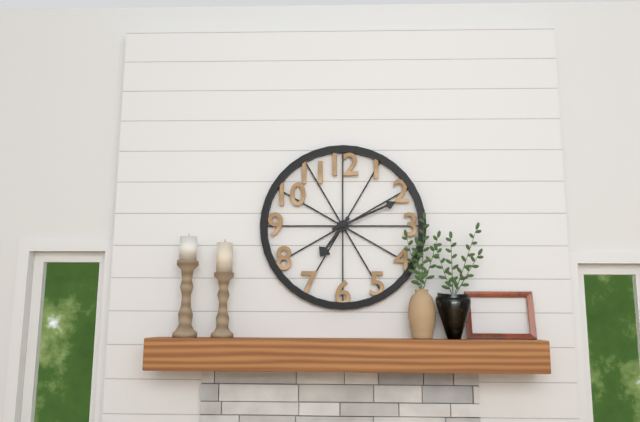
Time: h=7 m=11
